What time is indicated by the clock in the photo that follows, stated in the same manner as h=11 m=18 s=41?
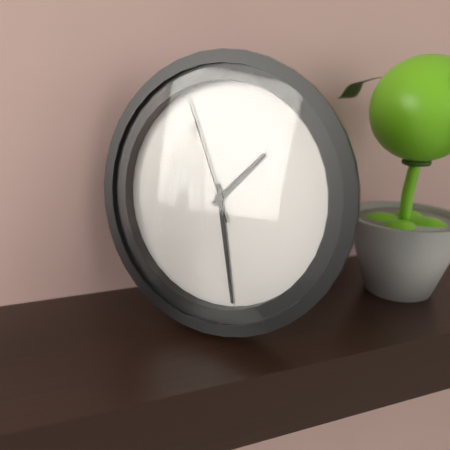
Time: h=1 m=28 s=56
